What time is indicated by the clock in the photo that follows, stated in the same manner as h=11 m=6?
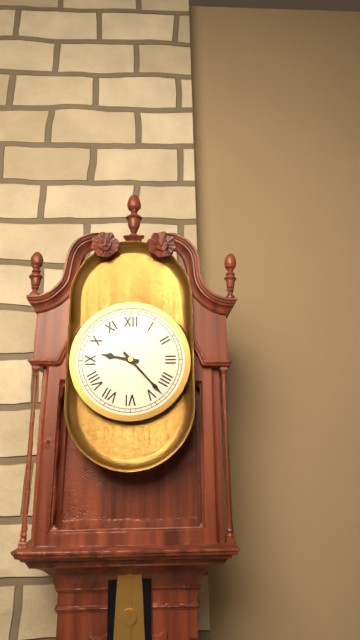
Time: h=9 m=23
